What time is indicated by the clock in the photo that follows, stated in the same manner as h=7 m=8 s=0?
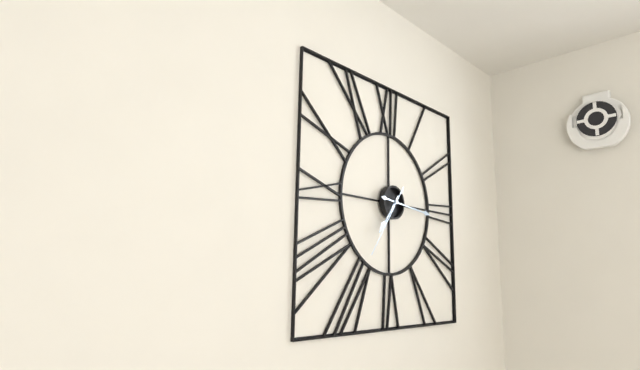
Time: h=7 m=16 s=36
